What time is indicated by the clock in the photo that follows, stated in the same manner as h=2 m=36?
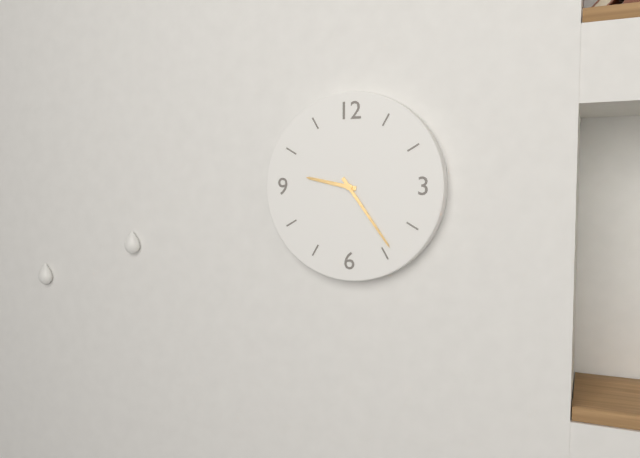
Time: h=9 m=24
